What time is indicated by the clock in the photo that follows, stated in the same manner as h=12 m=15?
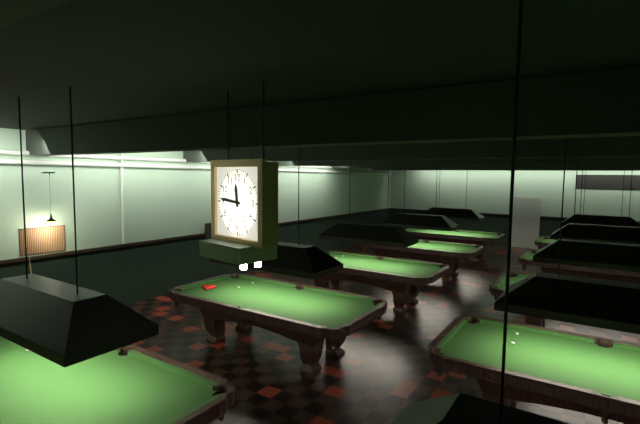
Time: h=11 m=46
